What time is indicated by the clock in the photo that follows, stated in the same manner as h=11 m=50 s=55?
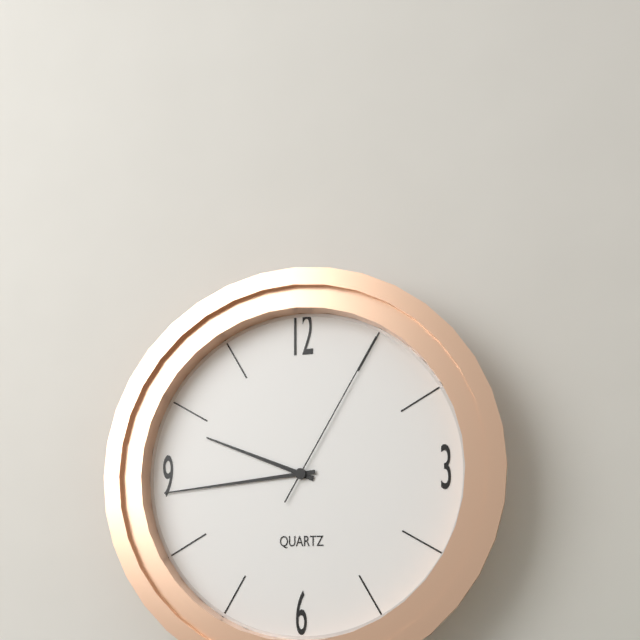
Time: h=9 m=44 s=5
